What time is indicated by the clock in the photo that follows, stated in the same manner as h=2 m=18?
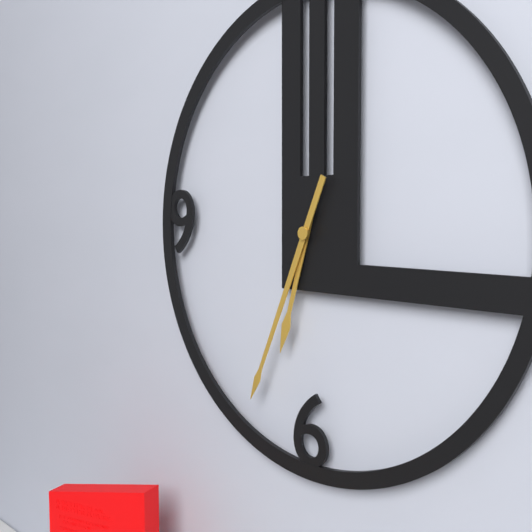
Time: h=6 m=34
